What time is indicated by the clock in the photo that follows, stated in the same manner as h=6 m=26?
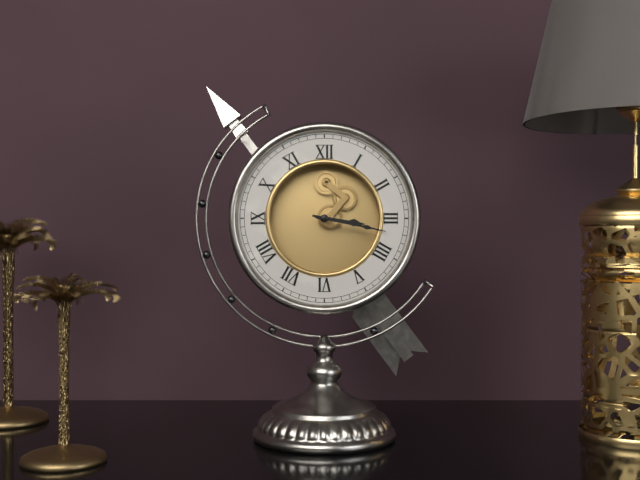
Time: h=3 m=17
